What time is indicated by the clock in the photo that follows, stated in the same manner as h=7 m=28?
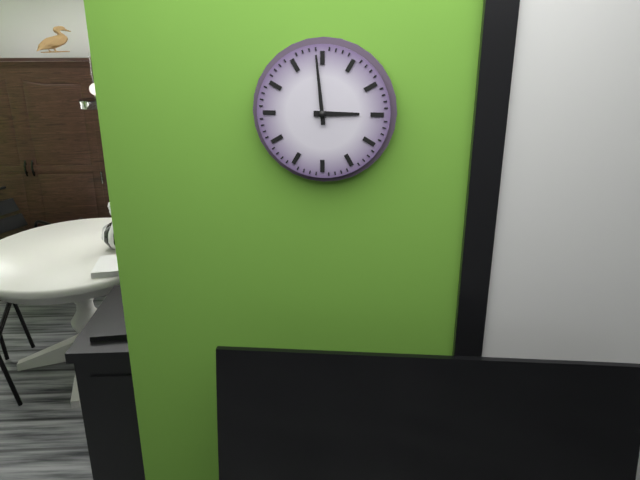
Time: h=2 m=59
